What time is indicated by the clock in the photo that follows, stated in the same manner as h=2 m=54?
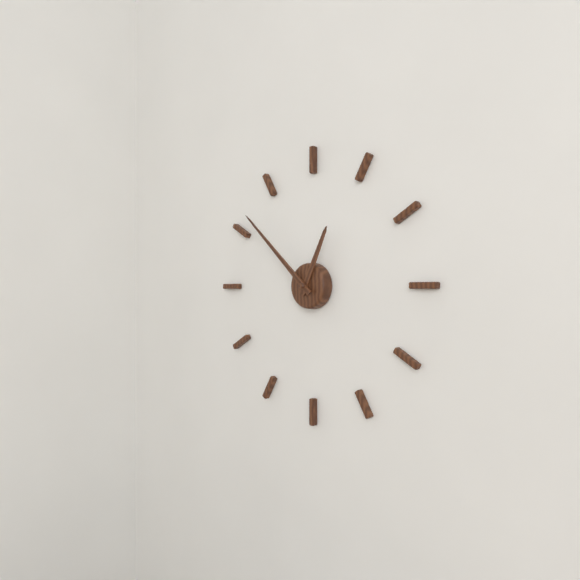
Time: h=12 m=52
